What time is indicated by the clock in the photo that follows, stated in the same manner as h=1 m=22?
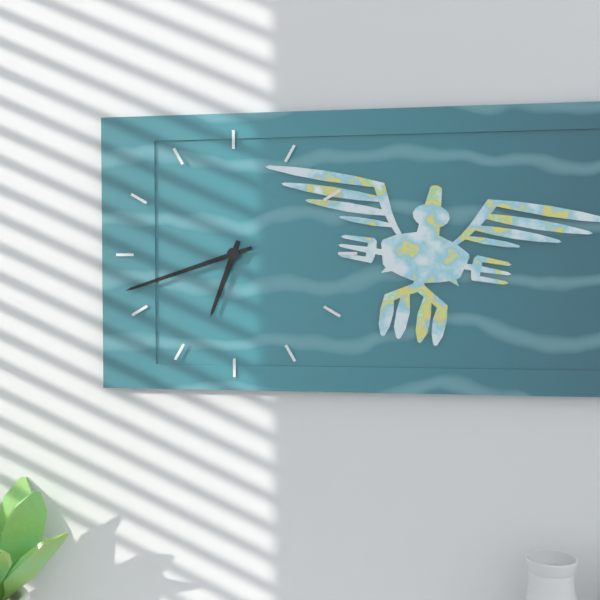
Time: h=6 m=42
